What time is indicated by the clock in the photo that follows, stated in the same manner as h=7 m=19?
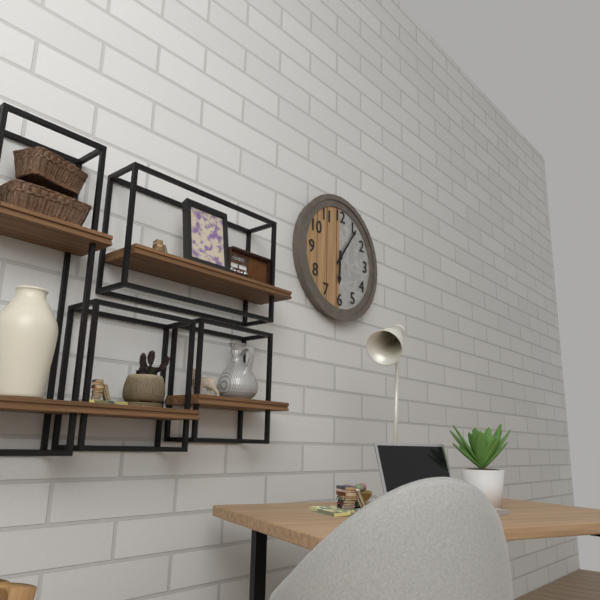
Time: h=6 m=6
